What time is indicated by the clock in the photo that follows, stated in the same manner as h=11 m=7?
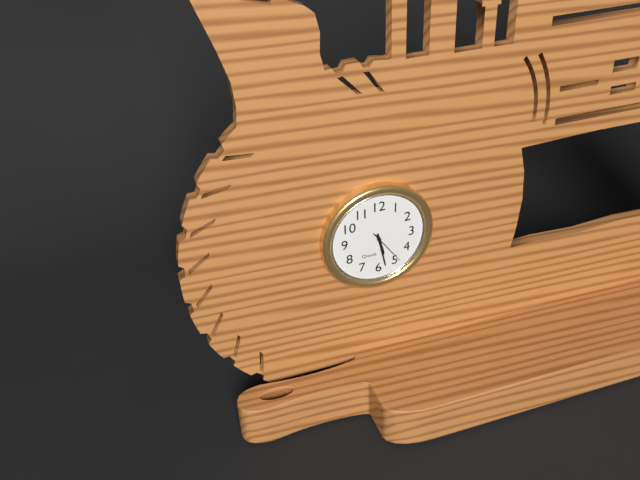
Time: h=5 m=28
